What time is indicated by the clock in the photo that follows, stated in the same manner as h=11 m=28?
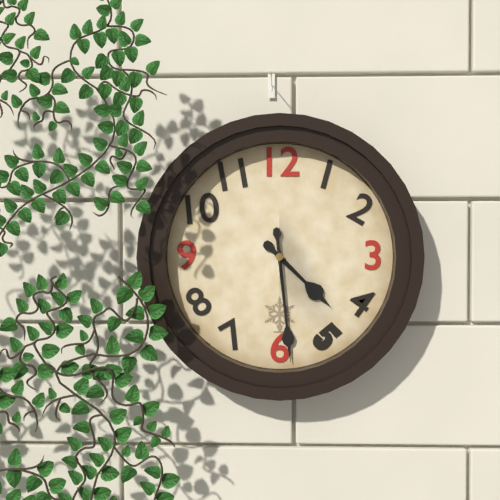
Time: h=4 m=29
